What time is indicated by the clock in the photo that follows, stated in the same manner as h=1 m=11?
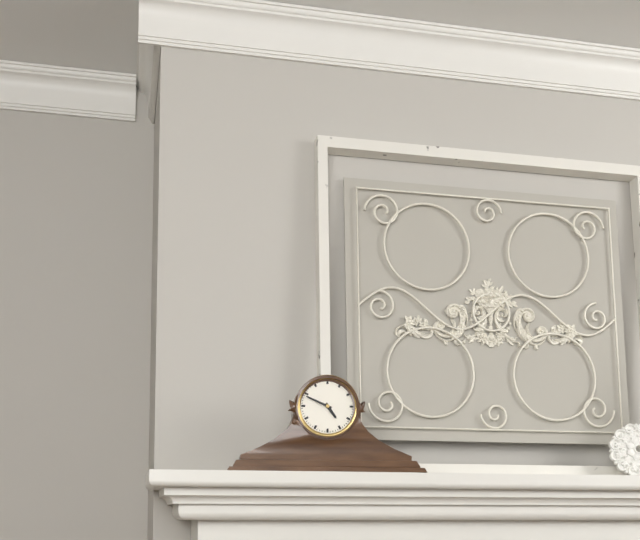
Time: h=4 m=49
